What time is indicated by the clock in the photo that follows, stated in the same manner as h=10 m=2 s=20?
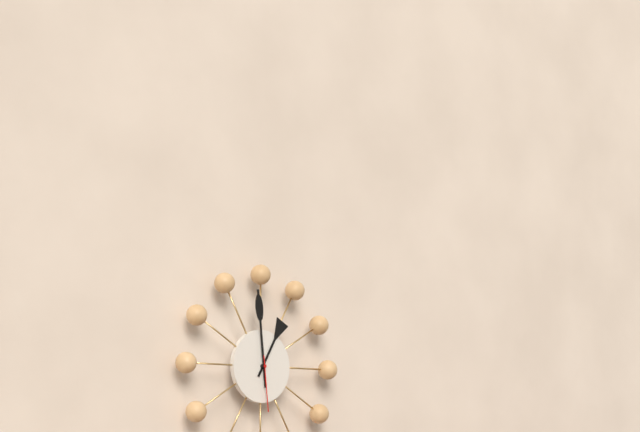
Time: h=12 m=59 s=29
